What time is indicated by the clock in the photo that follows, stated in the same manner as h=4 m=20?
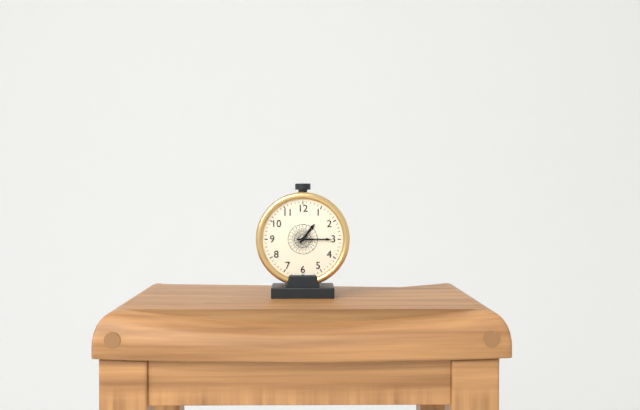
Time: h=1 m=15
